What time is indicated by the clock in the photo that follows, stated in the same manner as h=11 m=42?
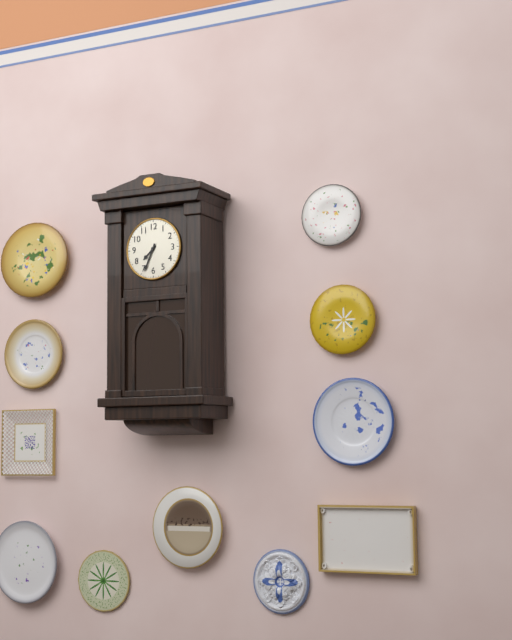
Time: h=7 m=34
